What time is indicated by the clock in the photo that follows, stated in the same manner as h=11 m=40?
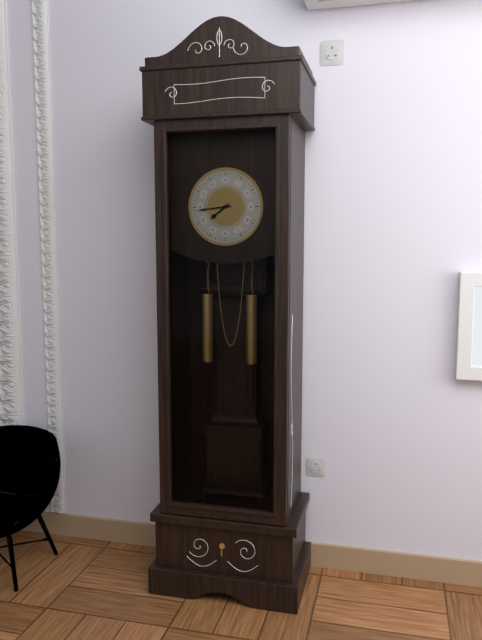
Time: h=7 m=44
